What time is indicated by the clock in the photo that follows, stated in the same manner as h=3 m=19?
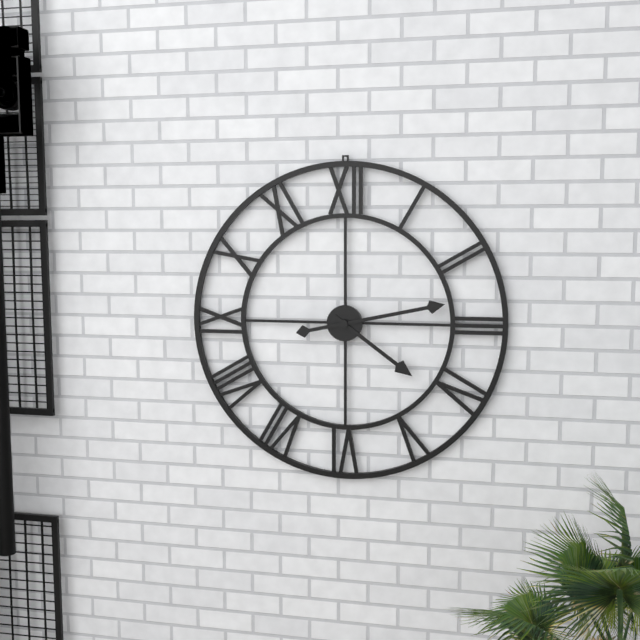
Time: h=4 m=13
